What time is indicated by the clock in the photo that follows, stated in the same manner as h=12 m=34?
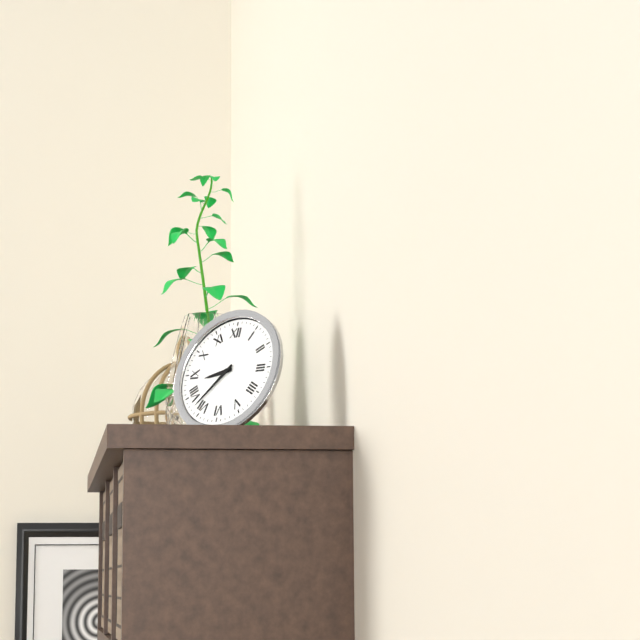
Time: h=8 m=37
